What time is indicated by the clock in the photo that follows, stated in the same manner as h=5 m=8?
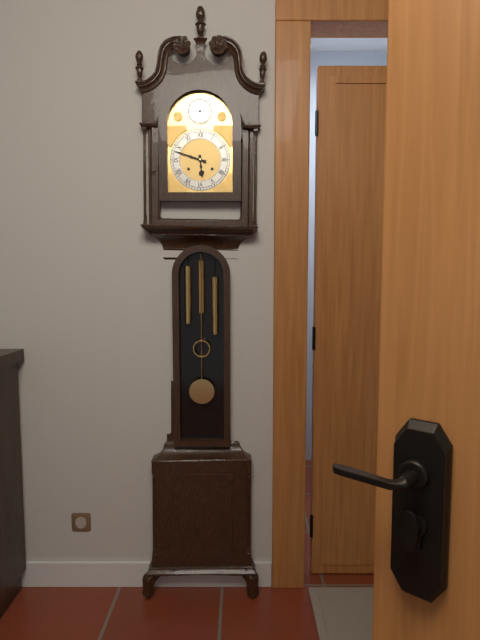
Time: h=5 m=48
